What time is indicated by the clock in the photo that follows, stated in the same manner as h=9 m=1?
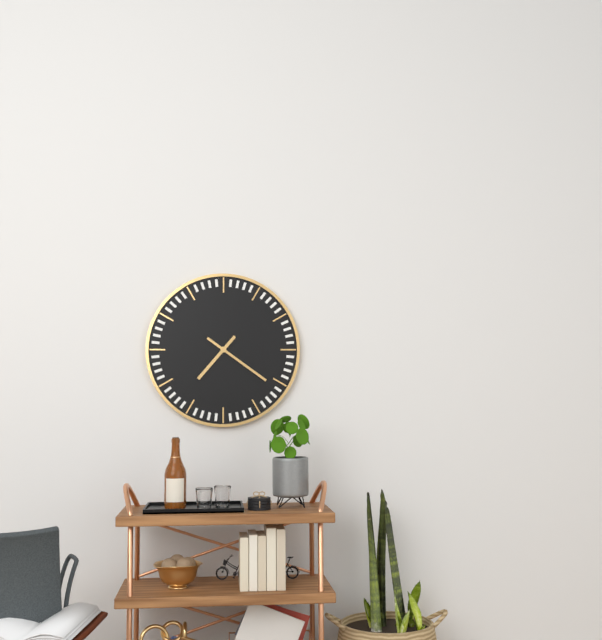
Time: h=7 m=21
